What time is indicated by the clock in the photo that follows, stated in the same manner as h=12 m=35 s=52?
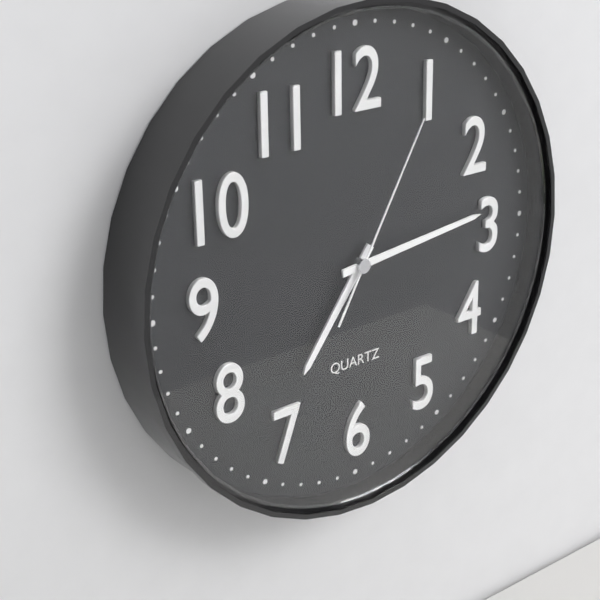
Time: h=7 m=14 s=5
